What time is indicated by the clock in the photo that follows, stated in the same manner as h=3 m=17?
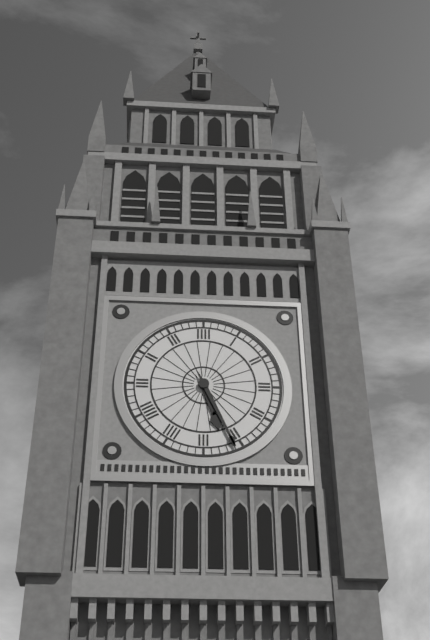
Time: h=5 m=26
